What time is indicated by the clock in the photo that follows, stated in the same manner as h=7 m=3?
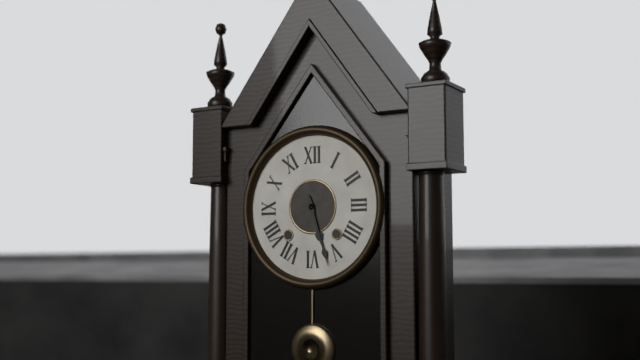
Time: h=5 m=27
